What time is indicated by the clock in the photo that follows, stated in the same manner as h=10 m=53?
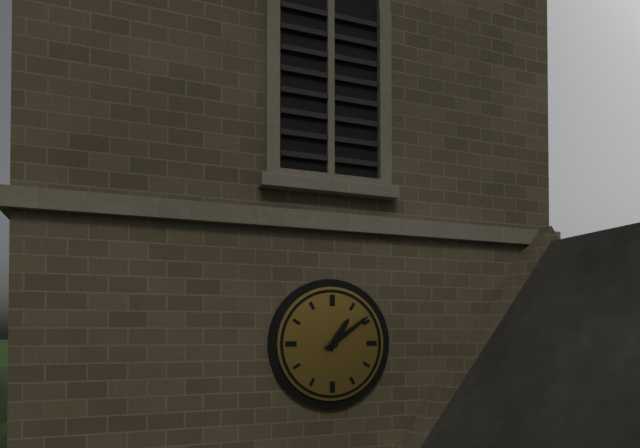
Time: h=1 m=9
